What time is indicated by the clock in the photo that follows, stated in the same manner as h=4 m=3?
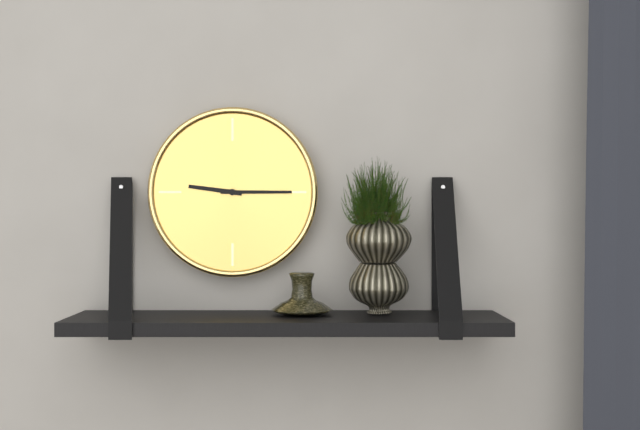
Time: h=9 m=15
